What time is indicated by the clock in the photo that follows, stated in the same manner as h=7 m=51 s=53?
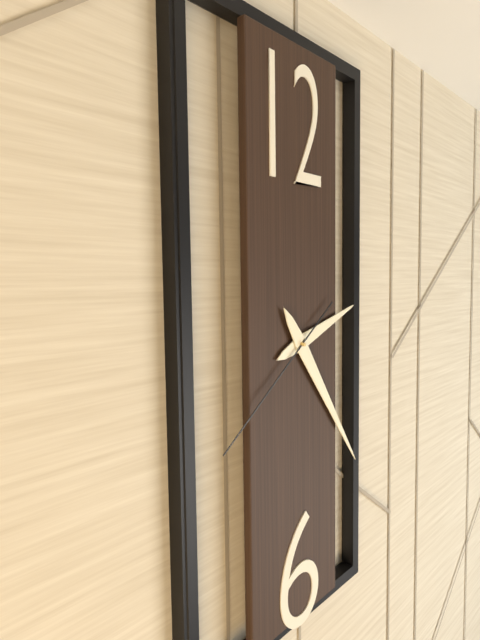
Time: h=2 m=24 s=39
